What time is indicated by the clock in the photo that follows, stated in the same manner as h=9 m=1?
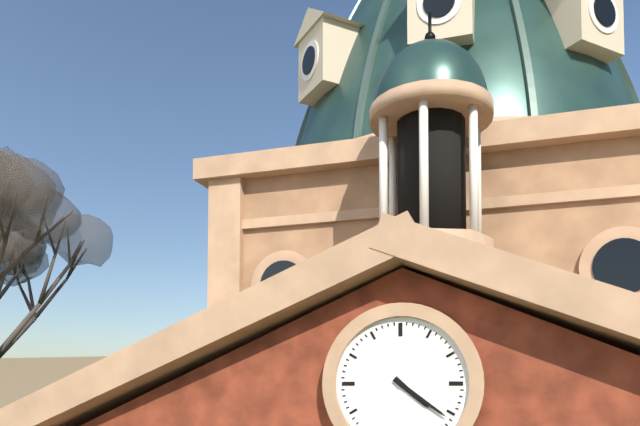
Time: h=4 m=21
